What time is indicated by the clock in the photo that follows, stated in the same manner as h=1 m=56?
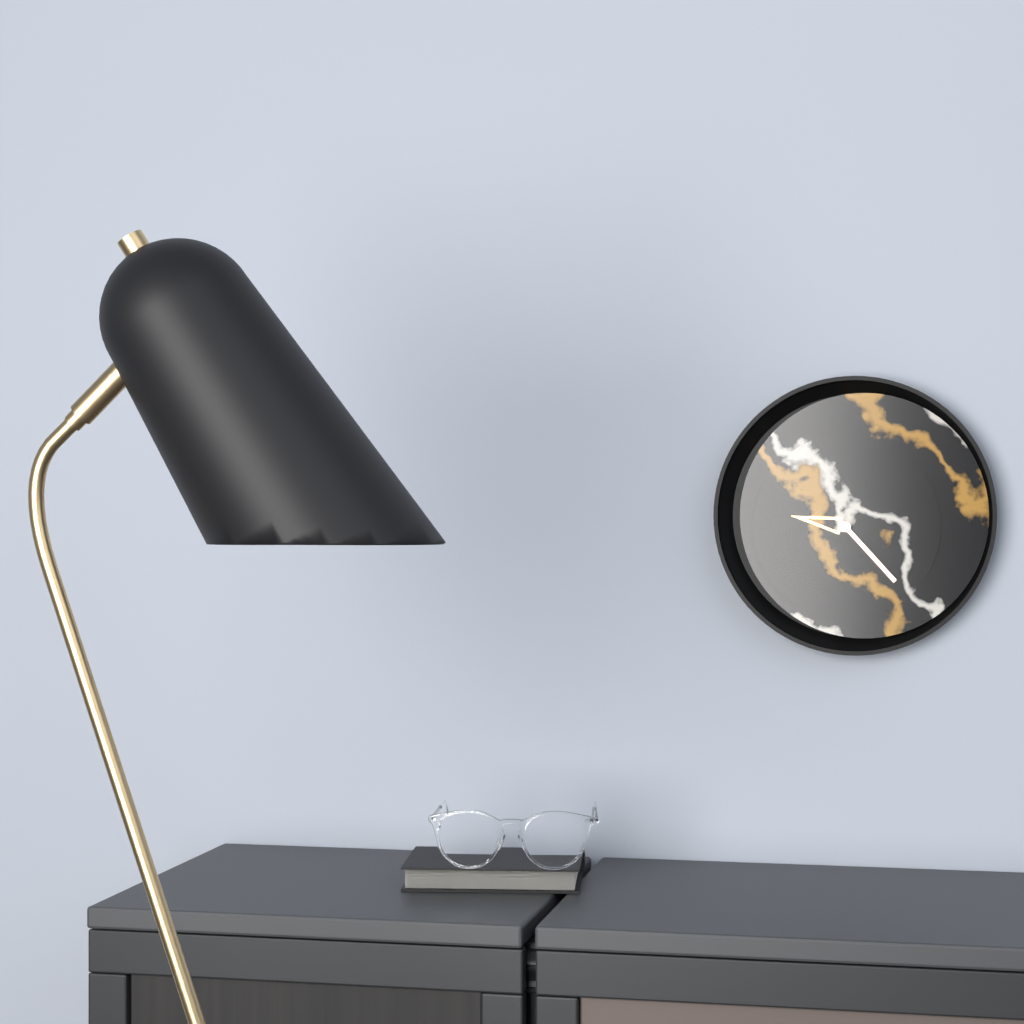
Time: h=9 m=23
